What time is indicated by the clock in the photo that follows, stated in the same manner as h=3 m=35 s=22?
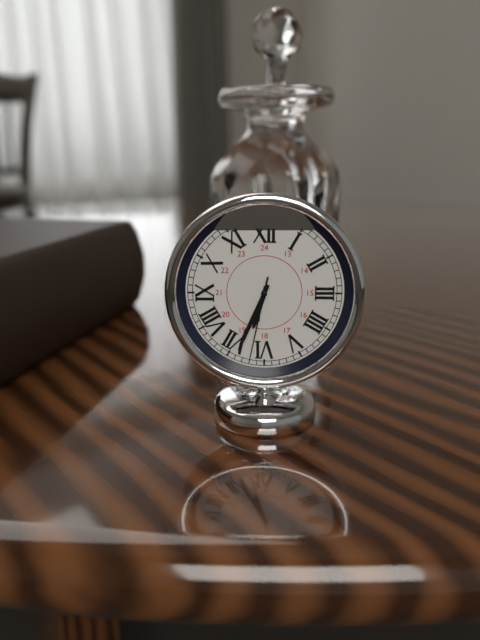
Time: h=6 m=34 s=32
